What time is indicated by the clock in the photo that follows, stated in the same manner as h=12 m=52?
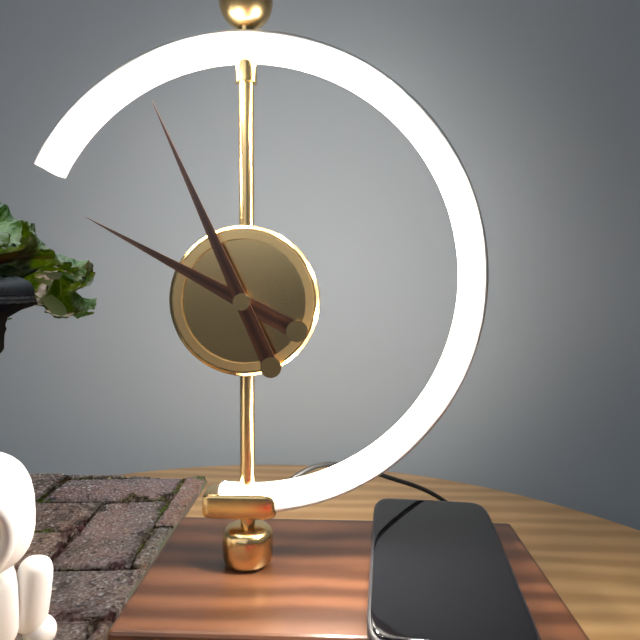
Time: h=9 m=56
